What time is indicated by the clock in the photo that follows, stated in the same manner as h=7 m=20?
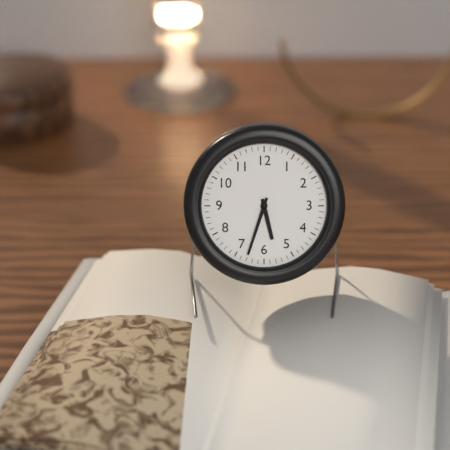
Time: h=5 m=33
